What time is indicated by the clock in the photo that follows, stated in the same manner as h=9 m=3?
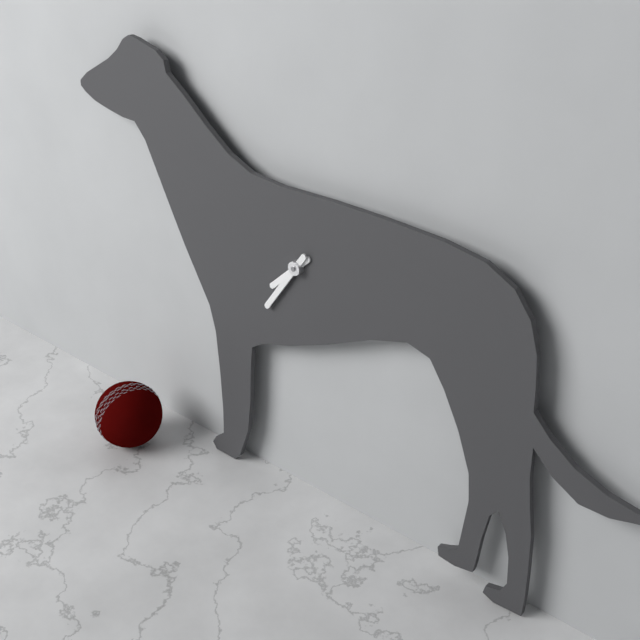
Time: h=7 m=36
